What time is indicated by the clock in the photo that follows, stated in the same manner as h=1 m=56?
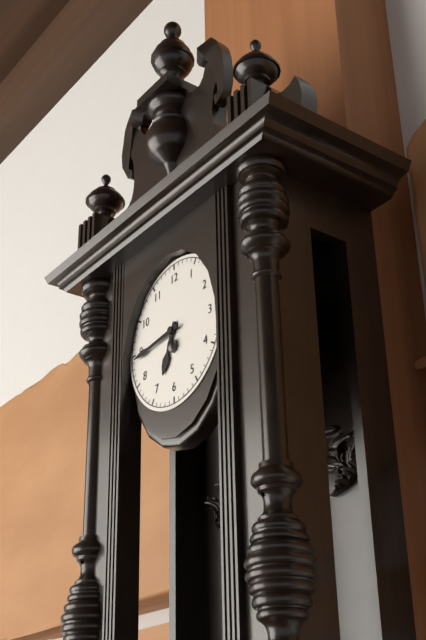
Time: h=6 m=44
